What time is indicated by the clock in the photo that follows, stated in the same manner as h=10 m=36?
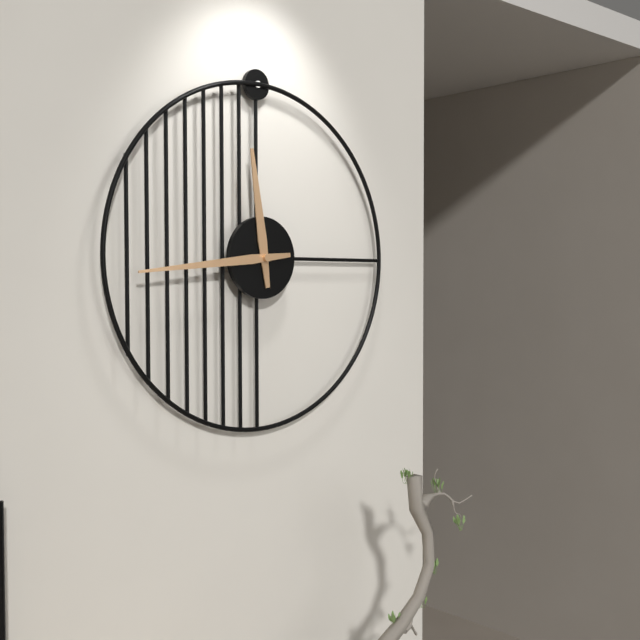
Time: h=11 m=44
